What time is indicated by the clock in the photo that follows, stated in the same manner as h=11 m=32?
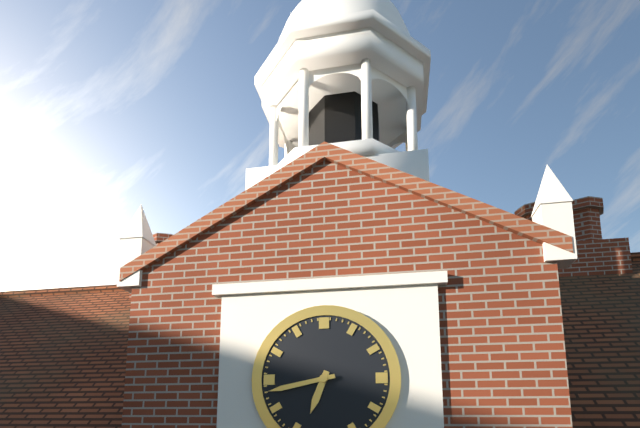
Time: h=6 m=43
